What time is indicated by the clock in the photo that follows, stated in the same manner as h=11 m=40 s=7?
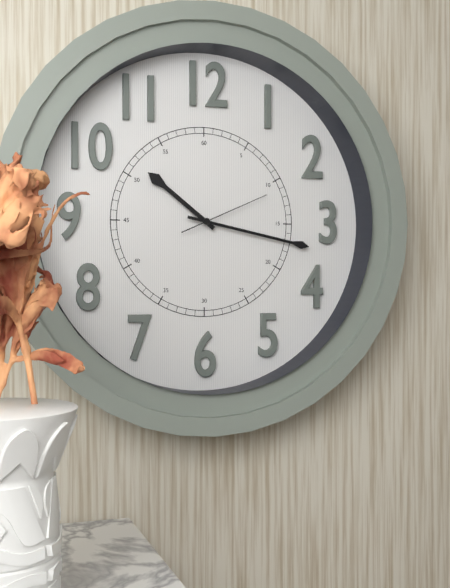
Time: h=10 m=17 s=11
